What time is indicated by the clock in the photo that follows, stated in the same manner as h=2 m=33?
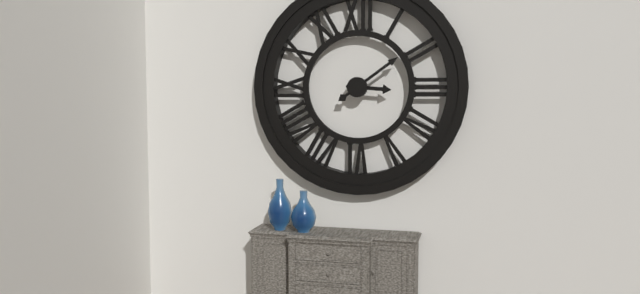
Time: h=3 m=9
